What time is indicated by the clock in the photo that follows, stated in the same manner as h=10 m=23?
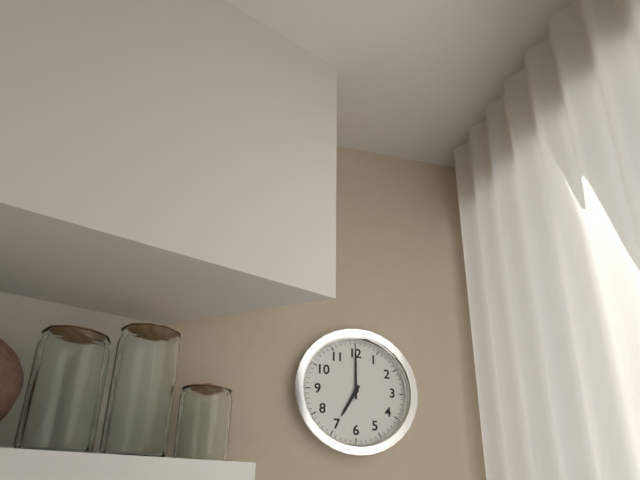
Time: h=7 m=0
